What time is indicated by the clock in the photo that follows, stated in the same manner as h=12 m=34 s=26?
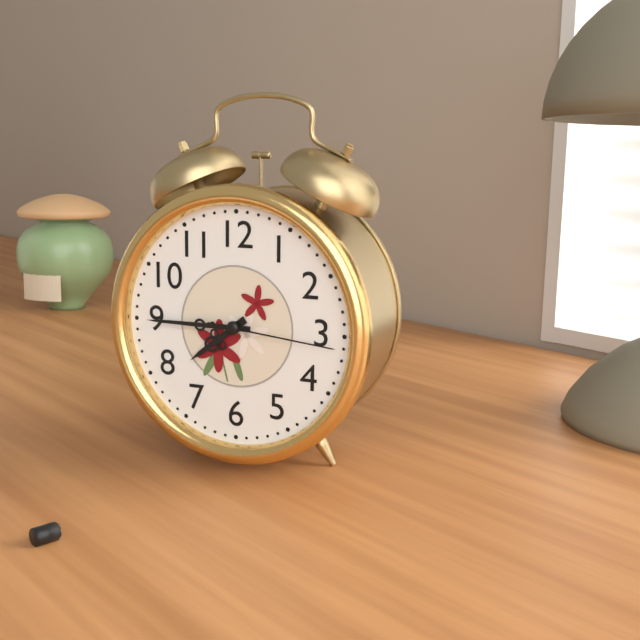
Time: h=7 m=45 s=16
